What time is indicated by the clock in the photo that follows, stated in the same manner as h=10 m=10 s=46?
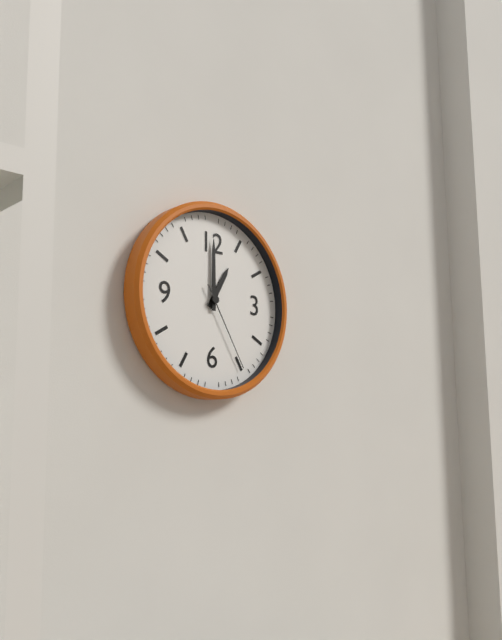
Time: h=1 m=0 s=25
